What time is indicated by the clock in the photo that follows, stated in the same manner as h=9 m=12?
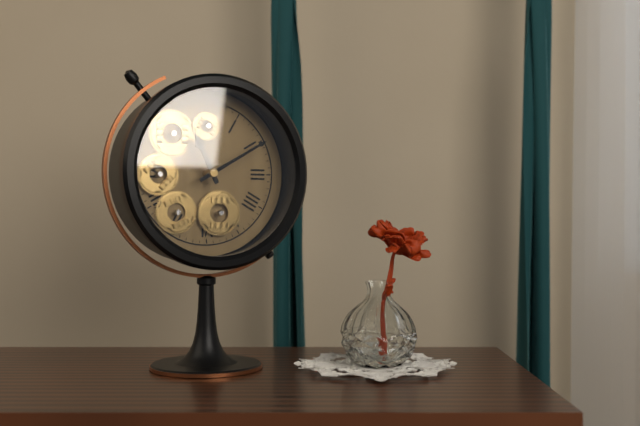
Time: h=11 m=10
